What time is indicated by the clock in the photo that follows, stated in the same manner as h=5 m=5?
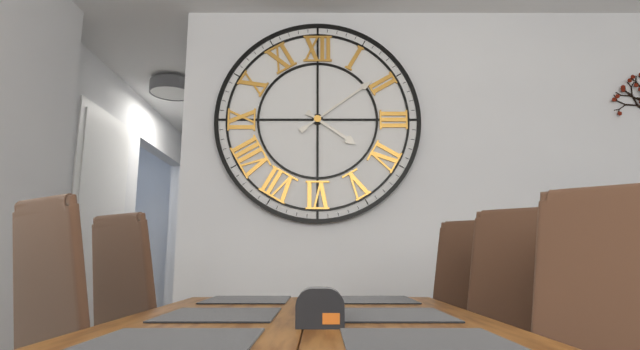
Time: h=4 m=9
